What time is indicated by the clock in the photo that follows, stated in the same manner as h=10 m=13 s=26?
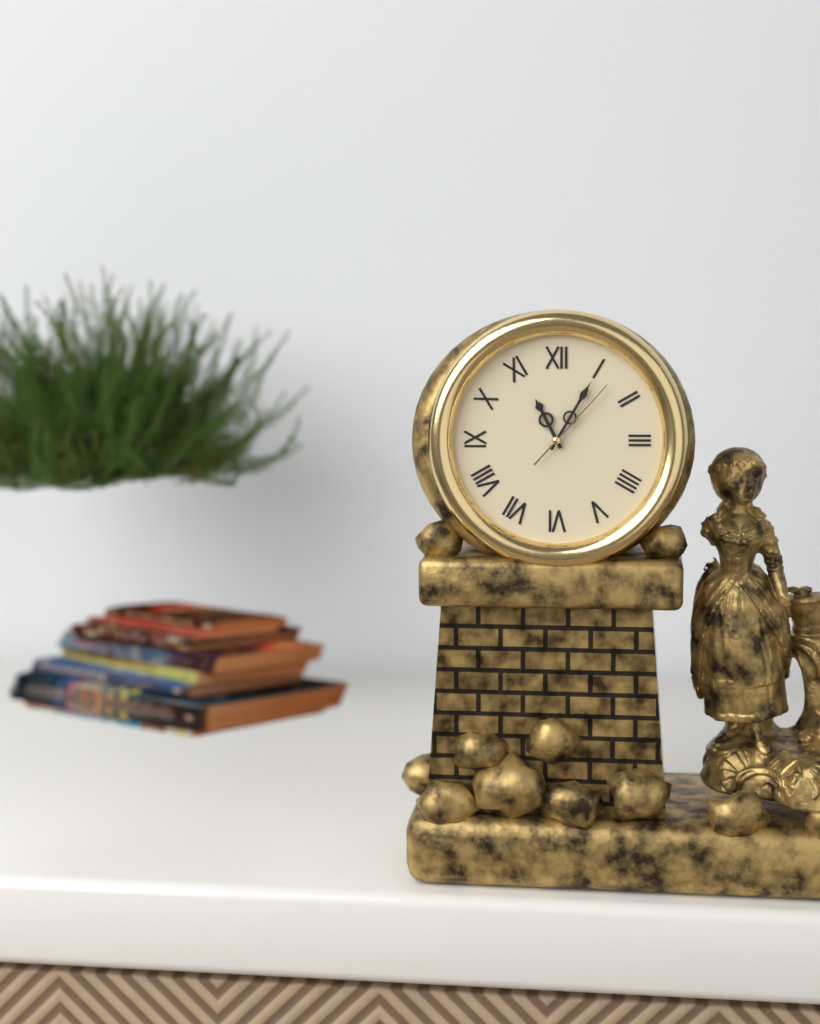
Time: h=11 m=5 s=7
